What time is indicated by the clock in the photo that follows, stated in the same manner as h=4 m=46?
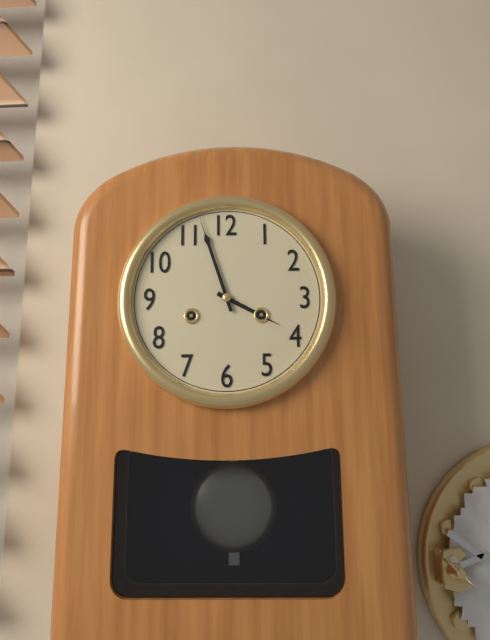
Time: h=3 m=57
